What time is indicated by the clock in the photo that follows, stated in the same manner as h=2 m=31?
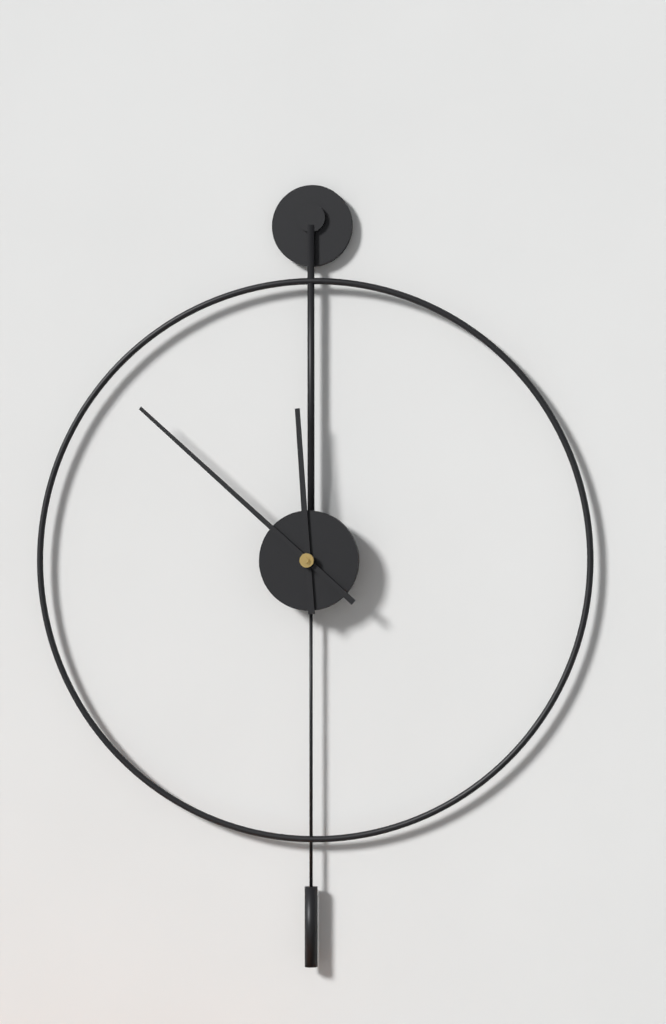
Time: h=11 m=52
